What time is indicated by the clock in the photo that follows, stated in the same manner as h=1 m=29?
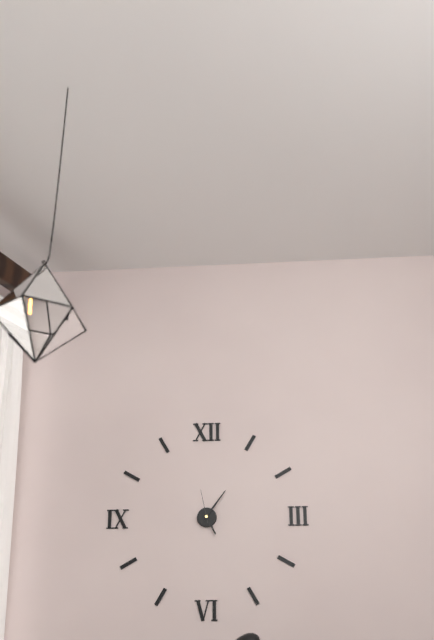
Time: h=5 m=6
